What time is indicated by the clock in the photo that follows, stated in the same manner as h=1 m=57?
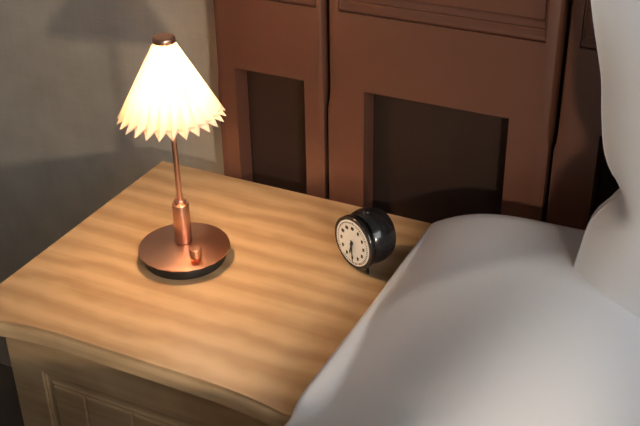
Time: h=6 m=29
